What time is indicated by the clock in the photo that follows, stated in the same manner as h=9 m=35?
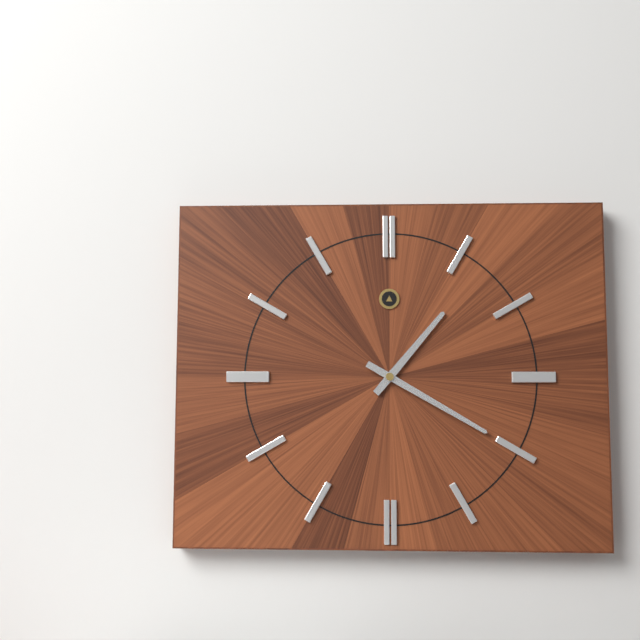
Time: h=1 m=20
